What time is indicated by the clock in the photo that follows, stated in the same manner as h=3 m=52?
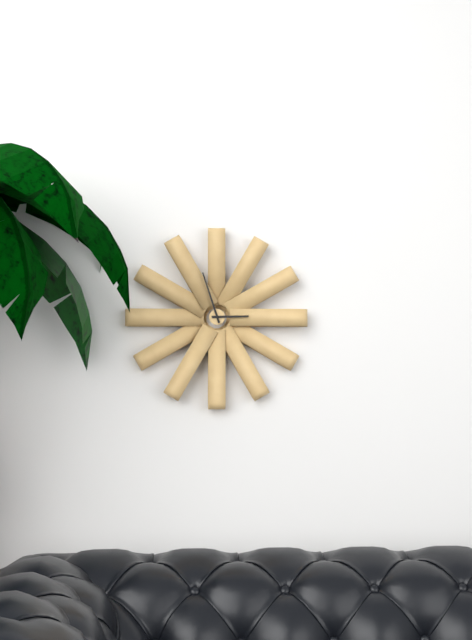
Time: h=2 m=57
